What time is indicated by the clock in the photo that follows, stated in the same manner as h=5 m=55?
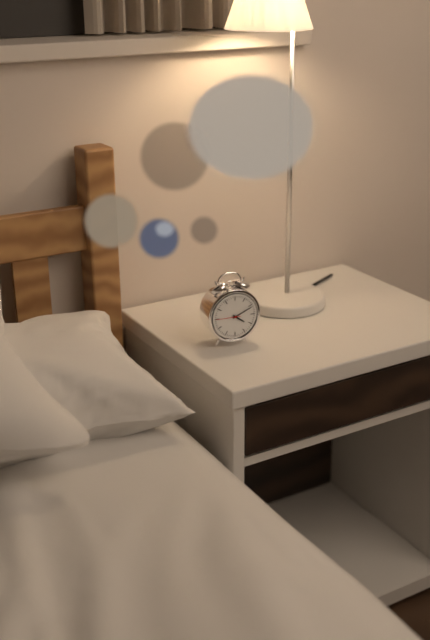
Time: h=4 m=11
